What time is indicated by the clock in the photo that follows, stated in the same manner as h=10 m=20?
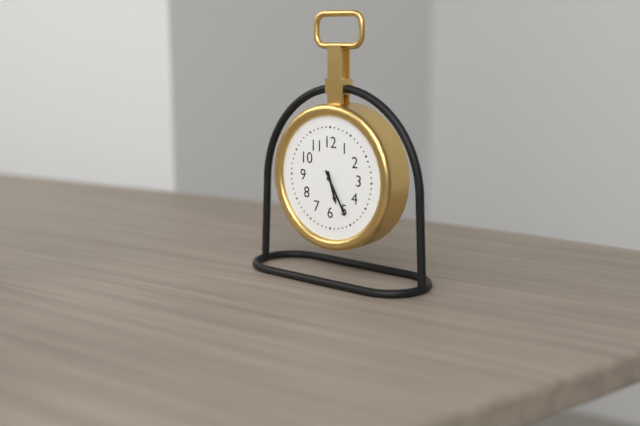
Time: h=5 m=25
